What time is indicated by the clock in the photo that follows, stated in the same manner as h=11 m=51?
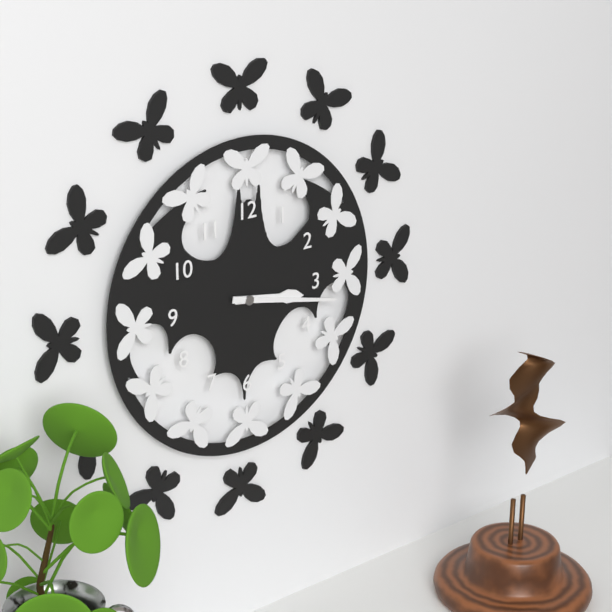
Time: h=3 m=17
